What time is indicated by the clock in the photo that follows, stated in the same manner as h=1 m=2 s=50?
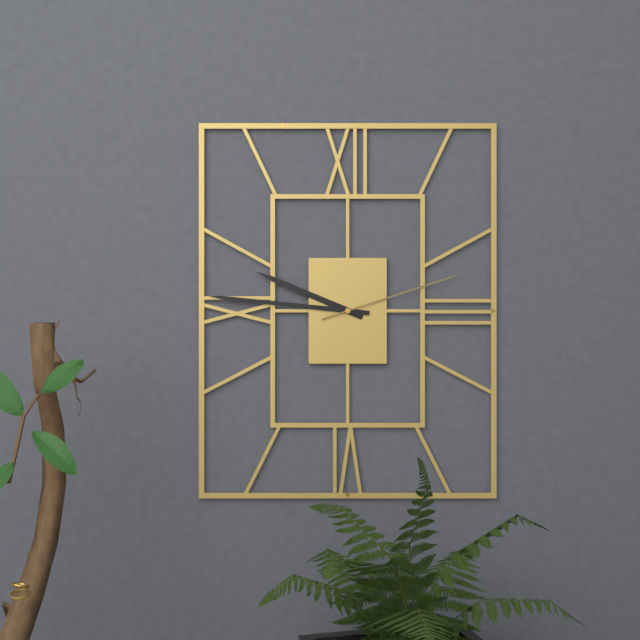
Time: h=9 m=46 s=12
